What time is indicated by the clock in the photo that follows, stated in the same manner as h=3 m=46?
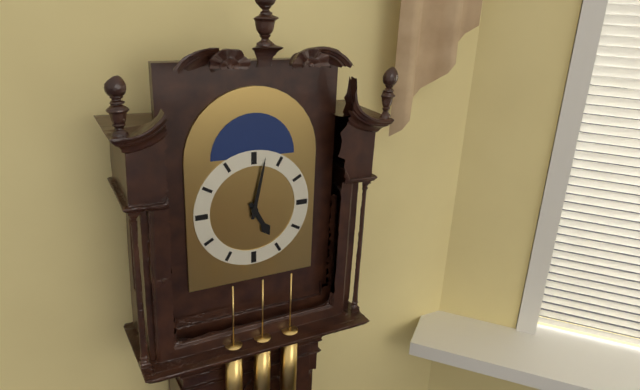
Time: h=5 m=2
